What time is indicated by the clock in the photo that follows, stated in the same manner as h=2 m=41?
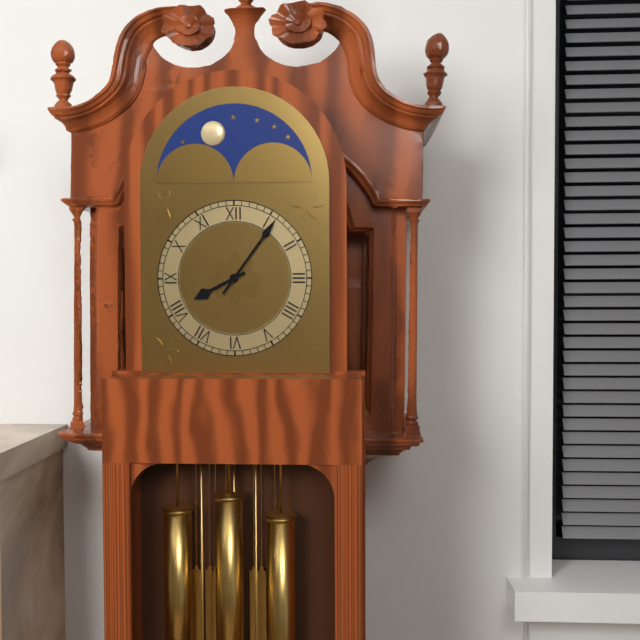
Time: h=8 m=6
